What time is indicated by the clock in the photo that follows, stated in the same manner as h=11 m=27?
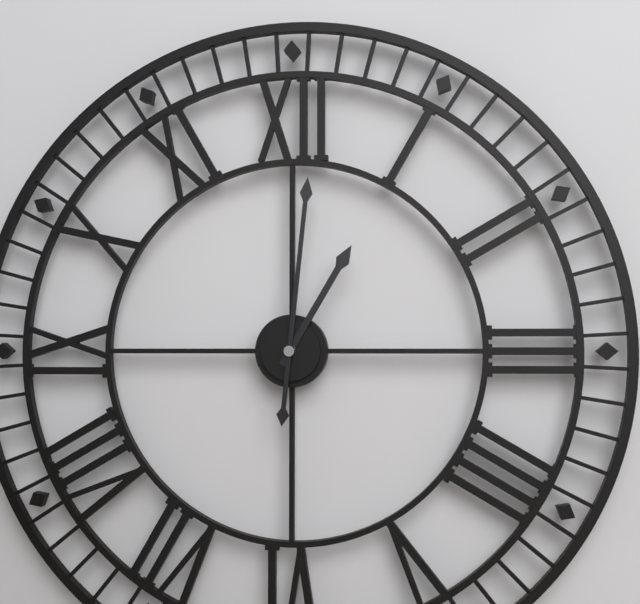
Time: h=1 m=1
